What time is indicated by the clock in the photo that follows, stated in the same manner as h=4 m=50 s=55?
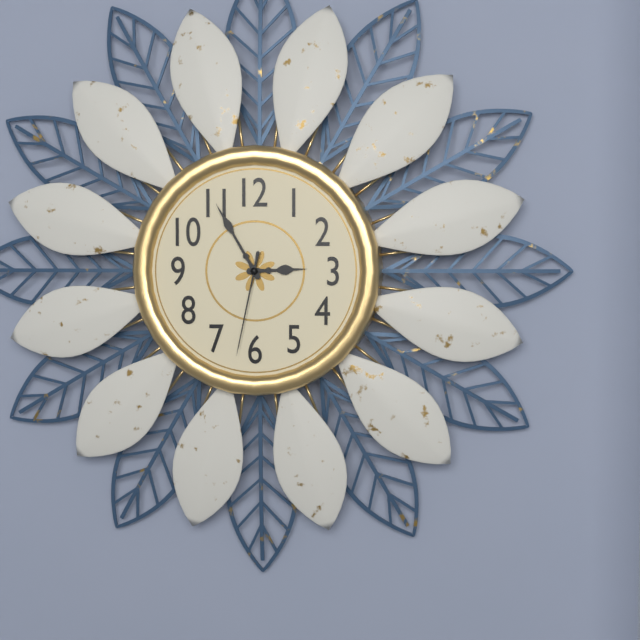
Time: h=2 m=55 s=32
